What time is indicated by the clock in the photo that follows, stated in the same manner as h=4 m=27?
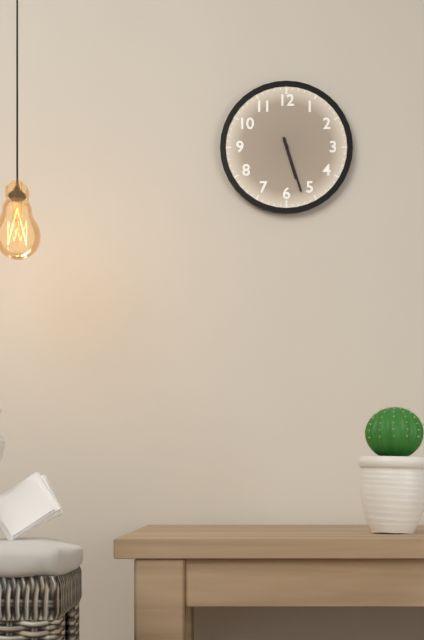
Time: h=5 m=27
